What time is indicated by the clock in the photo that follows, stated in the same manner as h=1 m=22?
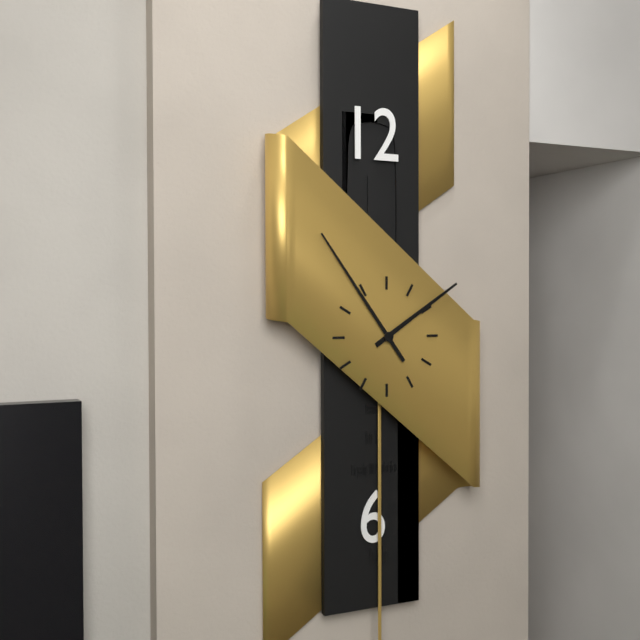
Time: h=1 m=54
